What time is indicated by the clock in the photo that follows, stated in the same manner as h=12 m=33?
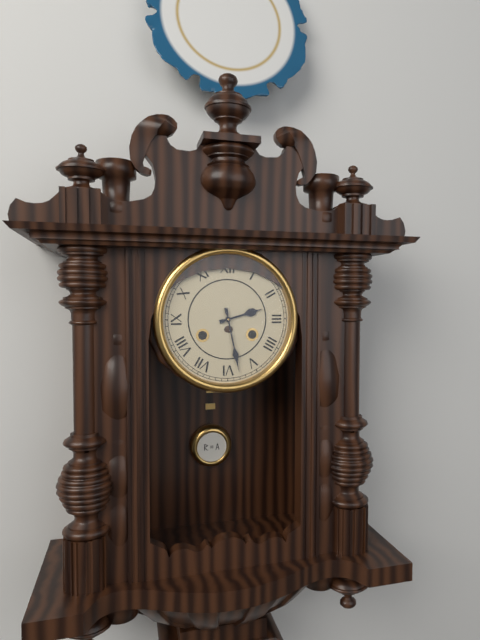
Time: h=2 m=28
